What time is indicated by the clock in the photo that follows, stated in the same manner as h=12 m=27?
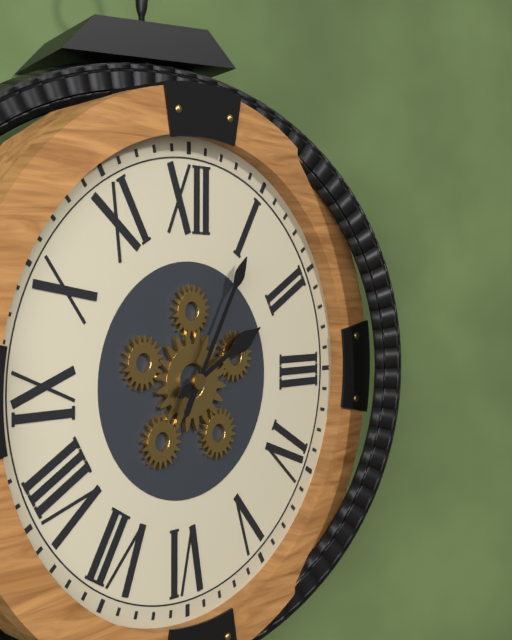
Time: h=2 m=5
